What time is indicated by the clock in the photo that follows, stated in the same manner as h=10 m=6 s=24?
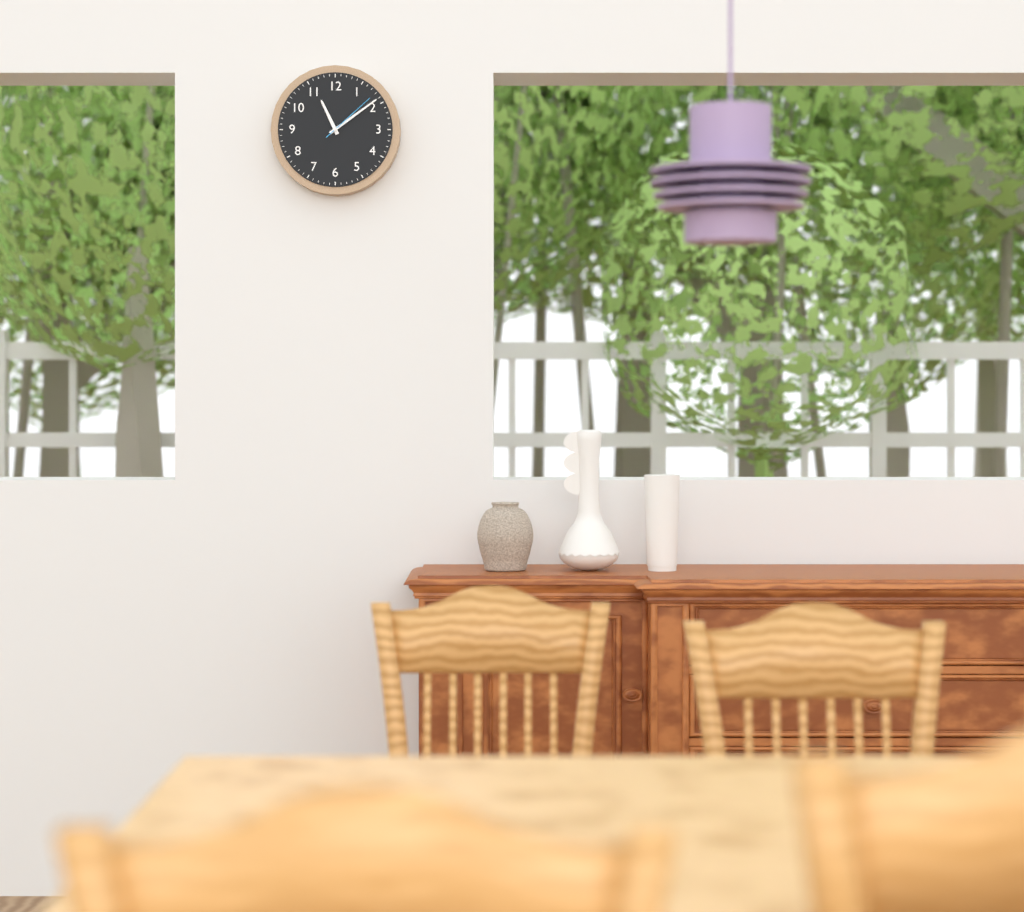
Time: h=11 m=9 s=8
